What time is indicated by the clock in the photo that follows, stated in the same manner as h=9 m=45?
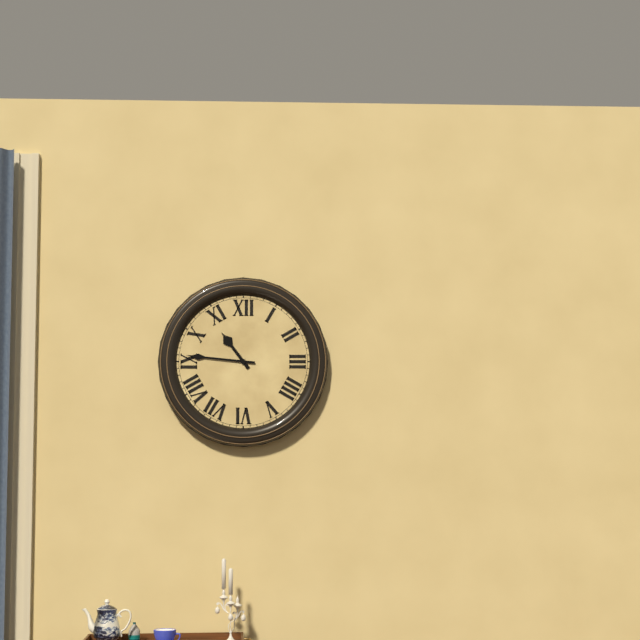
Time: h=10 m=46
